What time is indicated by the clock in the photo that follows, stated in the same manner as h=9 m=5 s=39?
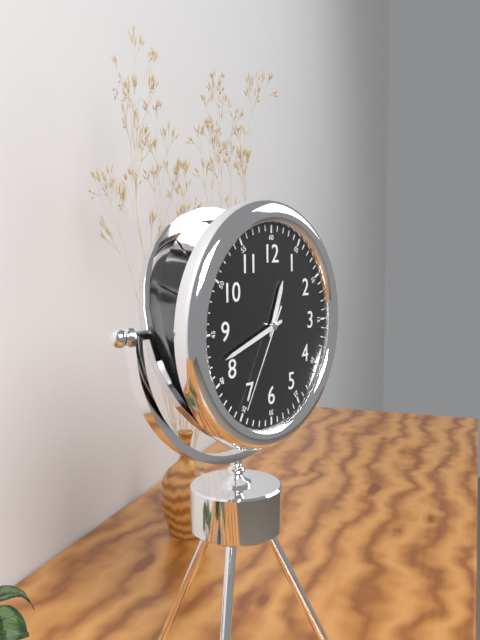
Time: h=12 m=42 s=35
